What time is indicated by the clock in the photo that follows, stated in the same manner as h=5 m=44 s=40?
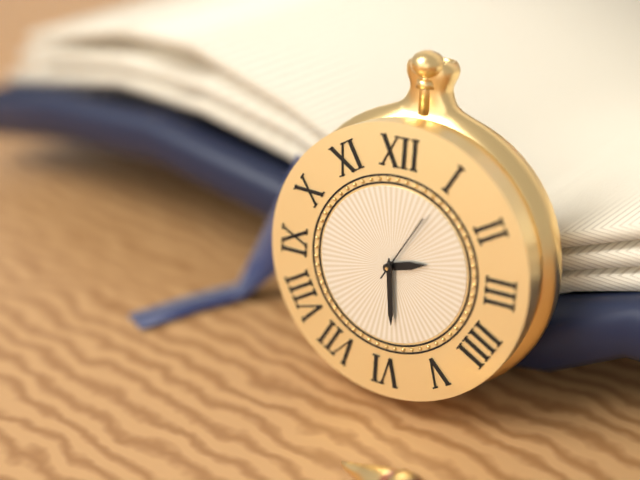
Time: h=2 m=29 s=5
